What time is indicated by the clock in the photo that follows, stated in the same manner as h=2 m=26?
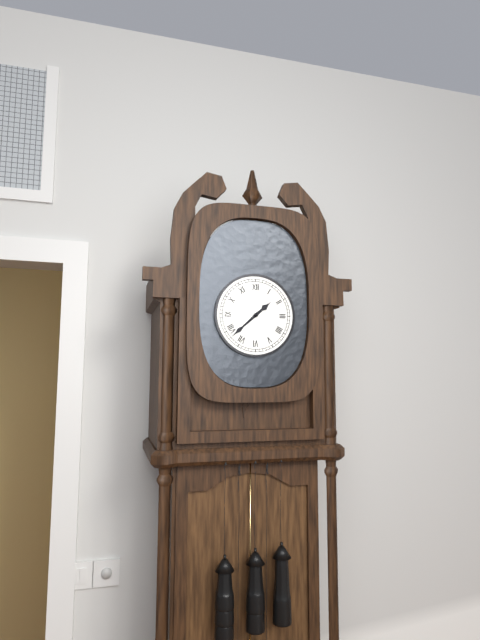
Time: h=1 m=38
